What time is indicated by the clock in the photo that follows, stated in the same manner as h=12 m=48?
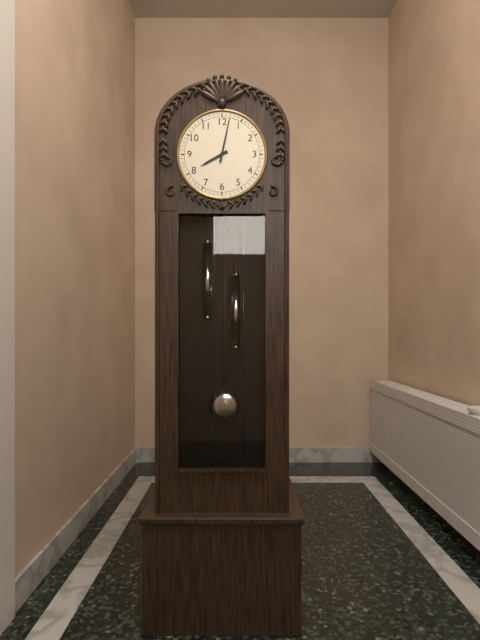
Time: h=8 m=2
